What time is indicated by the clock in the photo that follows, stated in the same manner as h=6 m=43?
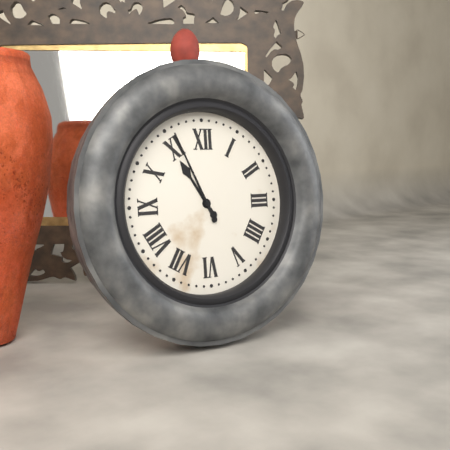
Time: h=10 m=56
